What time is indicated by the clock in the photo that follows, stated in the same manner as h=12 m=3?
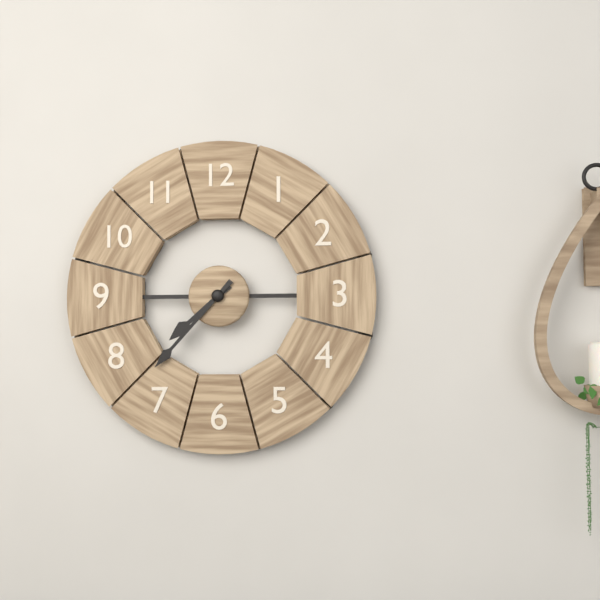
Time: h=7 m=37
